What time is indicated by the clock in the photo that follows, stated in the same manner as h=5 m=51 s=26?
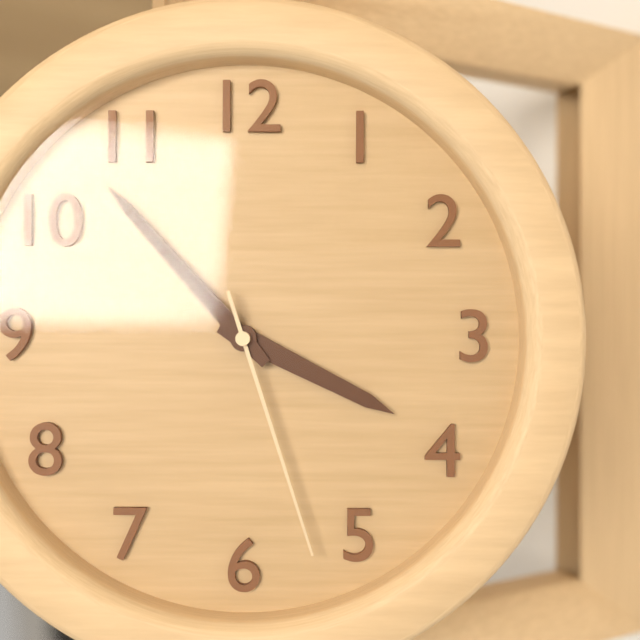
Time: h=3 m=53 s=27
